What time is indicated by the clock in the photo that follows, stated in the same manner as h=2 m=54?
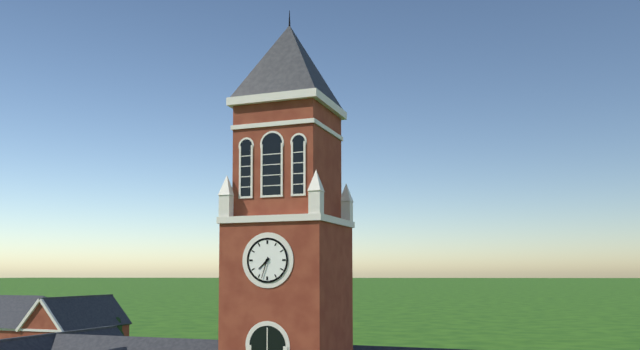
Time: h=7 m=33
